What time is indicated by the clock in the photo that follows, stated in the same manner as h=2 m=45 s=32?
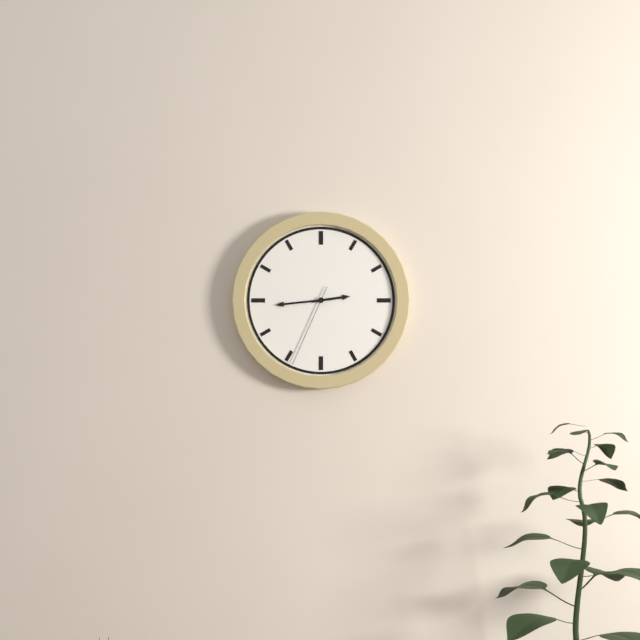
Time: h=2 m=44 s=34
